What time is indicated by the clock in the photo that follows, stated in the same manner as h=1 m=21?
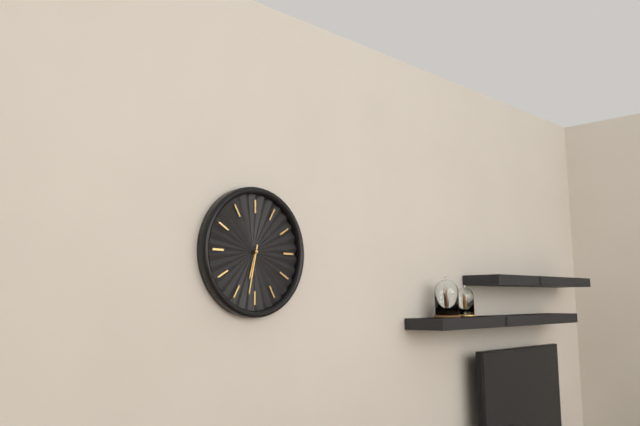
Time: h=6 m=32
